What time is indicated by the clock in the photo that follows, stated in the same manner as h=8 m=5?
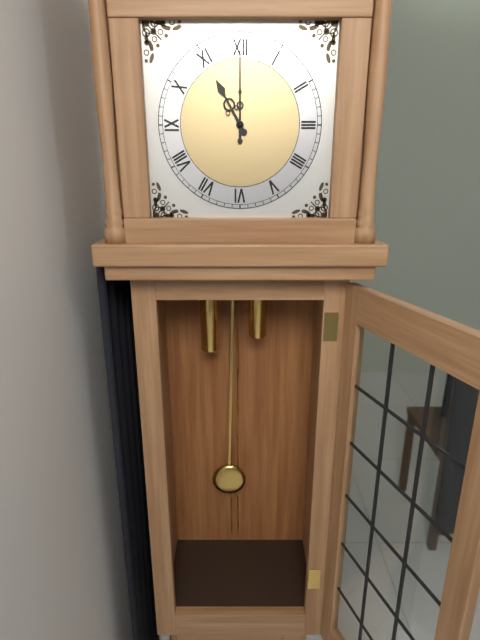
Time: h=11 m=0
